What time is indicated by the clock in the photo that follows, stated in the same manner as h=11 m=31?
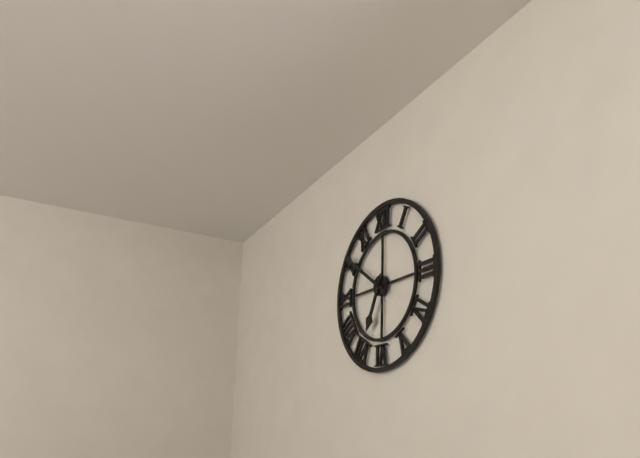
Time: h=6 m=51
